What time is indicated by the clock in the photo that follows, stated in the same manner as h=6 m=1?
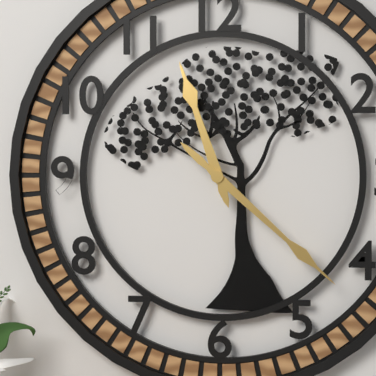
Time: h=11 m=22
